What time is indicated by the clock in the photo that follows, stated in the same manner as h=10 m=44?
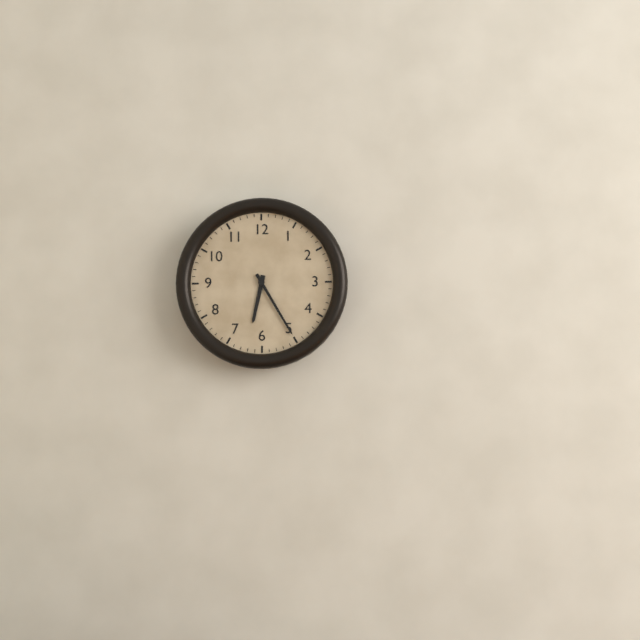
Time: h=6 m=25
